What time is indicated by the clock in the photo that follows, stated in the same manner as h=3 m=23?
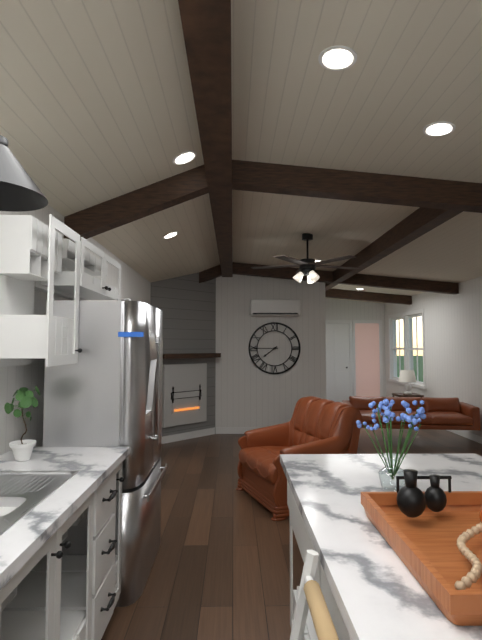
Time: h=7 m=45
